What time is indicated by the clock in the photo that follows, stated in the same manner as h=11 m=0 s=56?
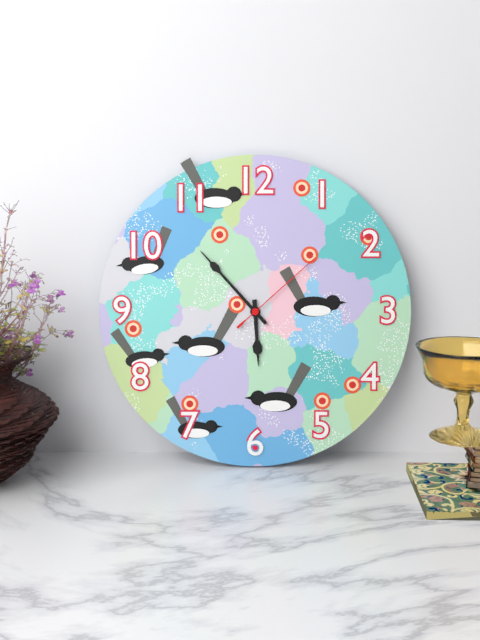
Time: h=5 m=53 s=8
